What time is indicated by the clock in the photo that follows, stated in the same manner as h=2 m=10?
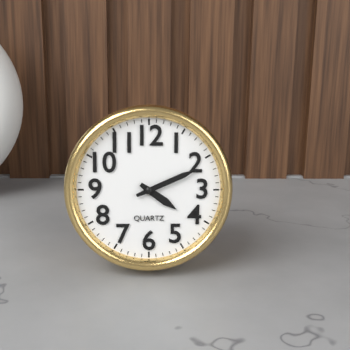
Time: h=4 m=11
